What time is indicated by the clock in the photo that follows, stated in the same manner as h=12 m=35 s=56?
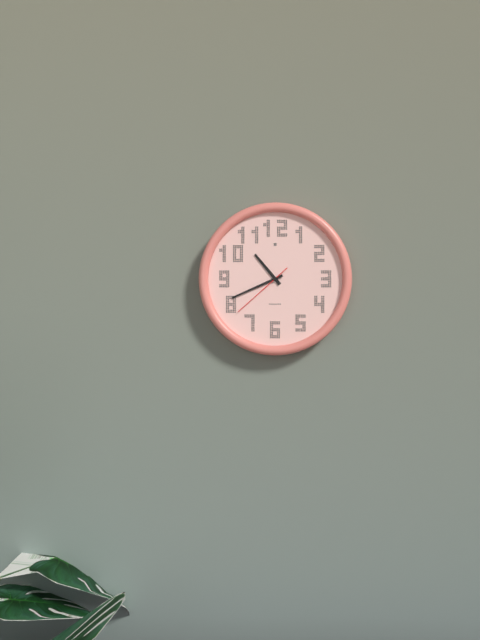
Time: h=10 m=41 s=38
